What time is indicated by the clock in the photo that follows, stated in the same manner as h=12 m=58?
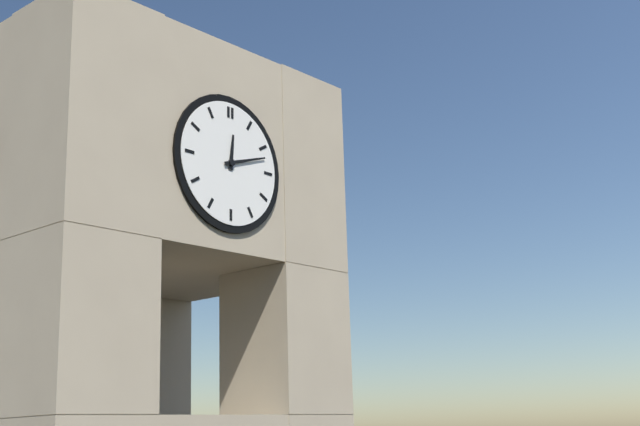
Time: h=12 m=12
